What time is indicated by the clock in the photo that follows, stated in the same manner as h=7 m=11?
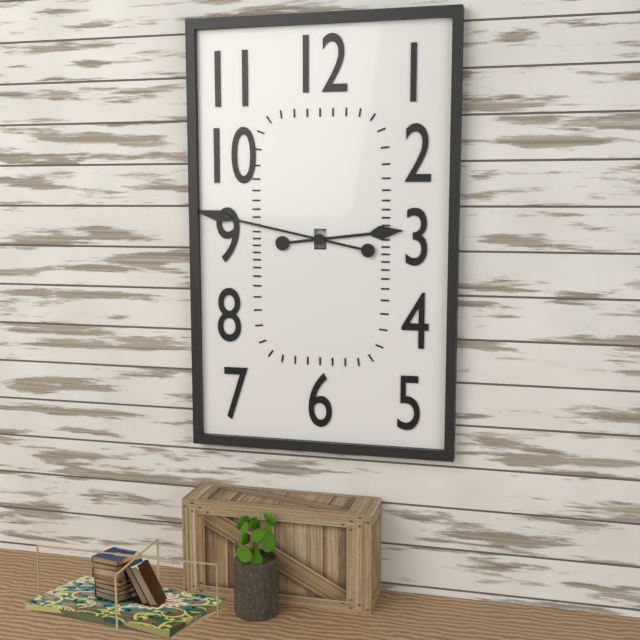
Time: h=2 m=47
